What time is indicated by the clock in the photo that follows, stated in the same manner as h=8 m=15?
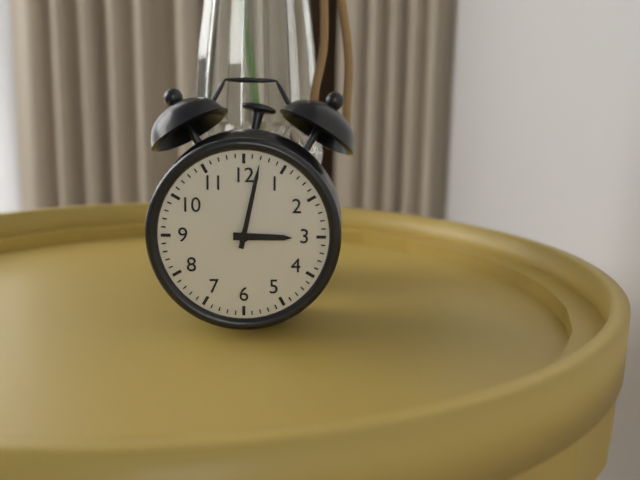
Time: h=3 m=2
